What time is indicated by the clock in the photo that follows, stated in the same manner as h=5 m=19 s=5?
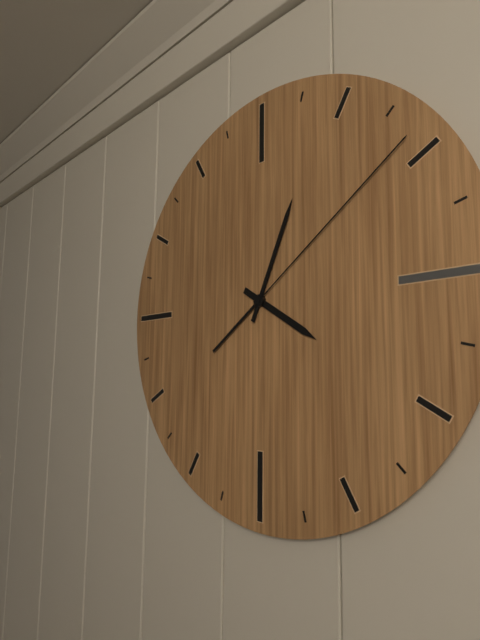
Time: h=4 m=4 s=9
